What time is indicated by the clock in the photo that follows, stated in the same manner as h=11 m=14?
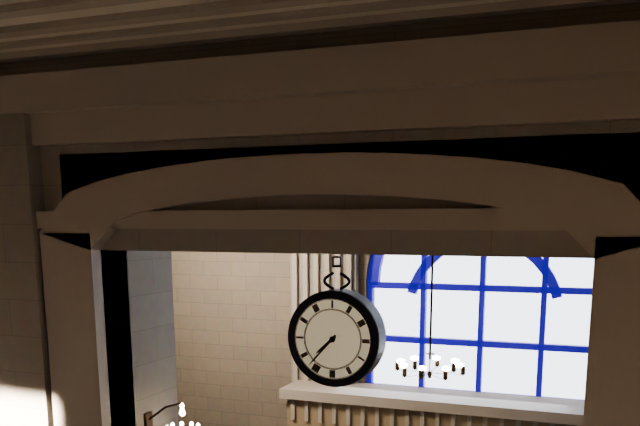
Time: h=7 m=37
